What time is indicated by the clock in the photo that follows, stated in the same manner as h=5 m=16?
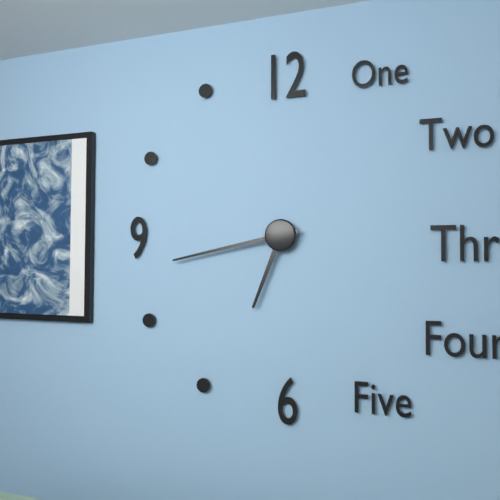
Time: h=6 m=43
